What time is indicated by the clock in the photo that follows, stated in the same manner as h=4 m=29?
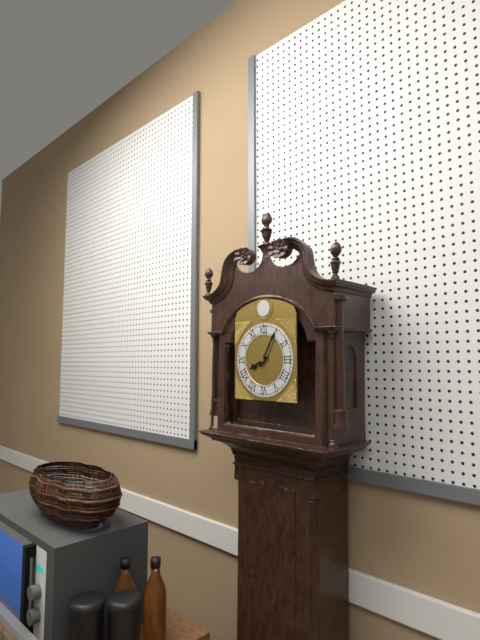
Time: h=8 m=5
